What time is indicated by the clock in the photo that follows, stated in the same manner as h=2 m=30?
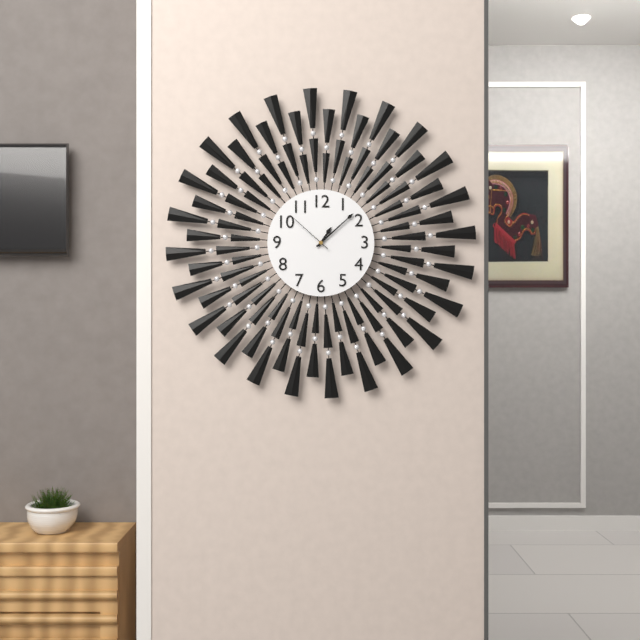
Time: h=1 m=8
